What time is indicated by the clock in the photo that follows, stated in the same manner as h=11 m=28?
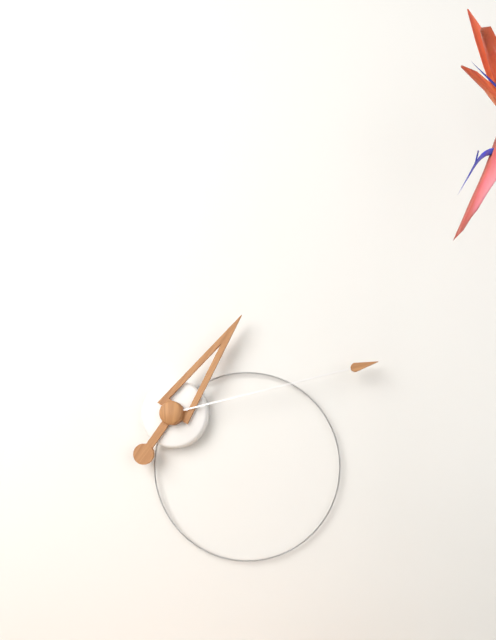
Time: h=1 m=13
